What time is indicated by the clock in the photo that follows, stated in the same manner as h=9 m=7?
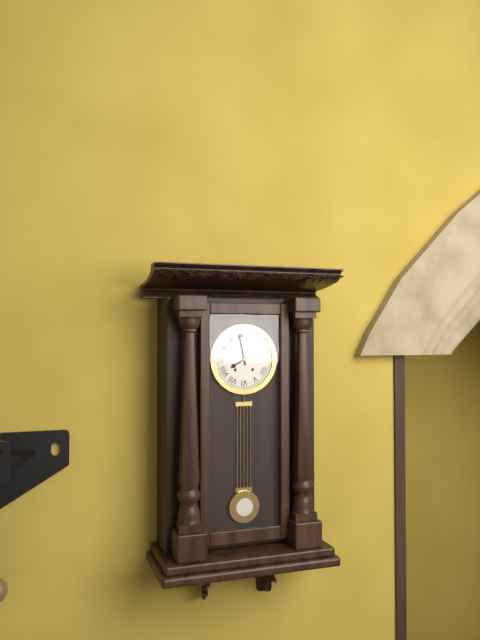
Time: h=7 m=58
